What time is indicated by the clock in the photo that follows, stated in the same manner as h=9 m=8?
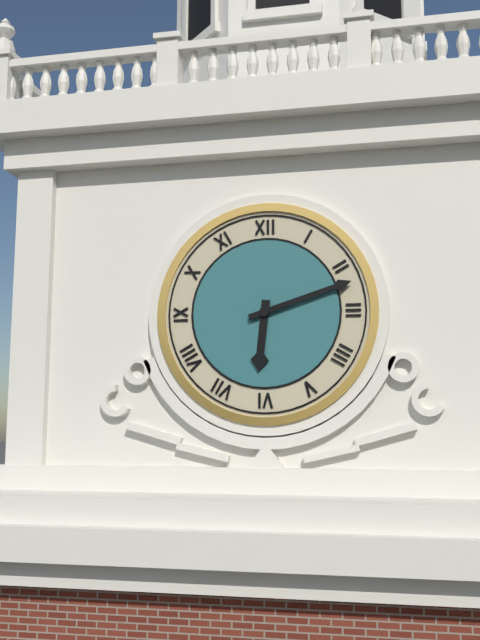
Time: h=6 m=12
